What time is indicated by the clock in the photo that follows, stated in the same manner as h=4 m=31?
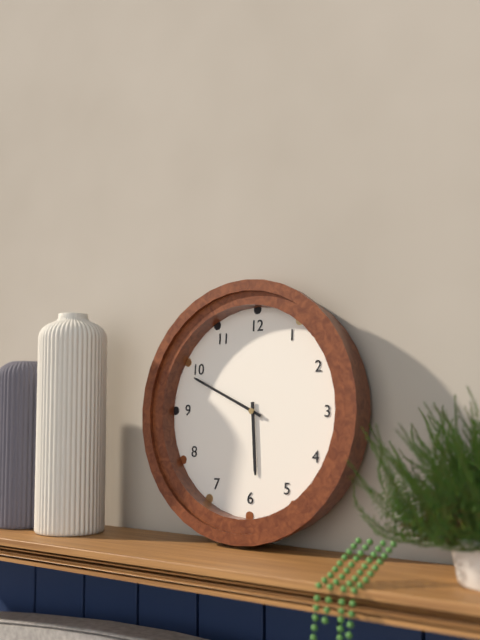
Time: h=5 m=49
